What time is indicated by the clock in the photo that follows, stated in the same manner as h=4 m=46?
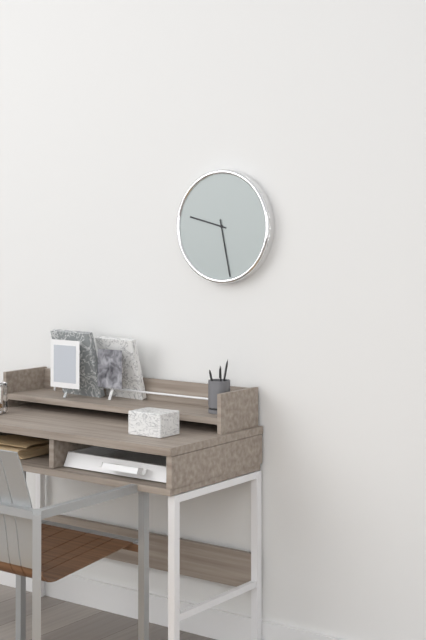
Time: h=9 m=28
